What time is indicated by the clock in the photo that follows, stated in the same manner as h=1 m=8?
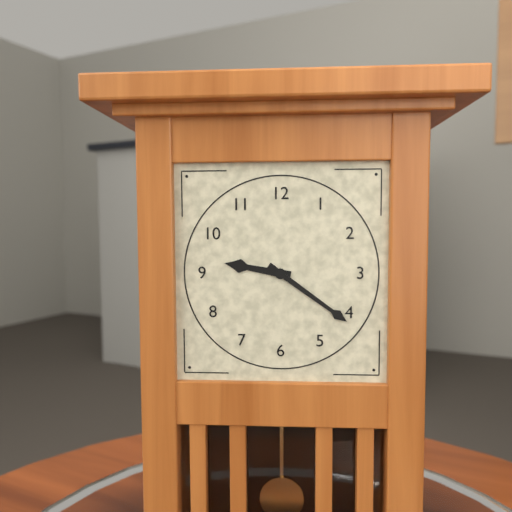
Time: h=9 m=21
